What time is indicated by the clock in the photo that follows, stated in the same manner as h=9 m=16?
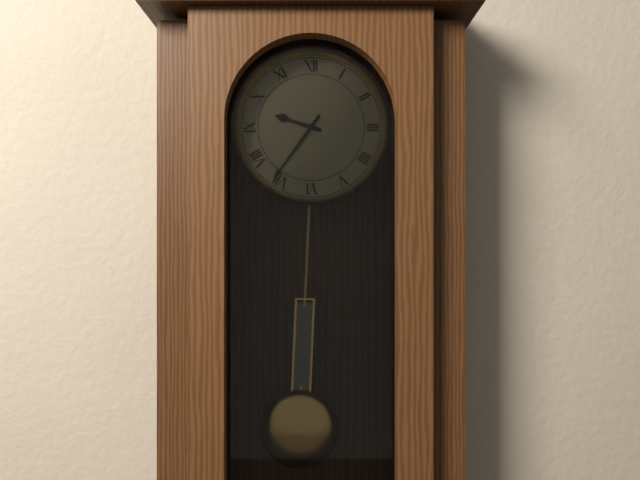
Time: h=9 m=36
